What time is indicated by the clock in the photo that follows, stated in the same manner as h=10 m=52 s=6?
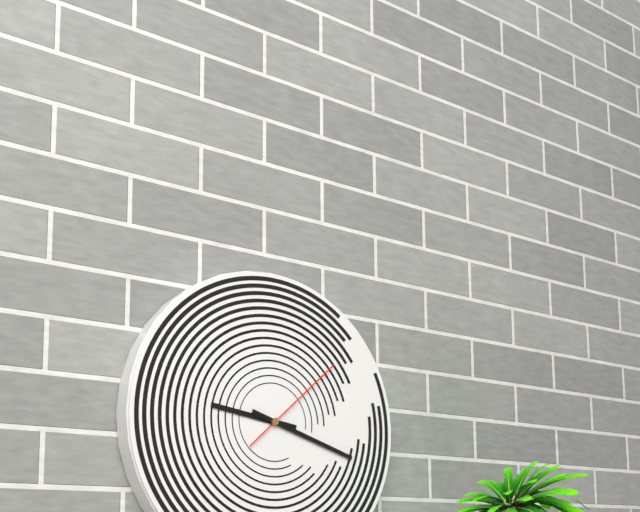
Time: h=9 m=18 s=8
